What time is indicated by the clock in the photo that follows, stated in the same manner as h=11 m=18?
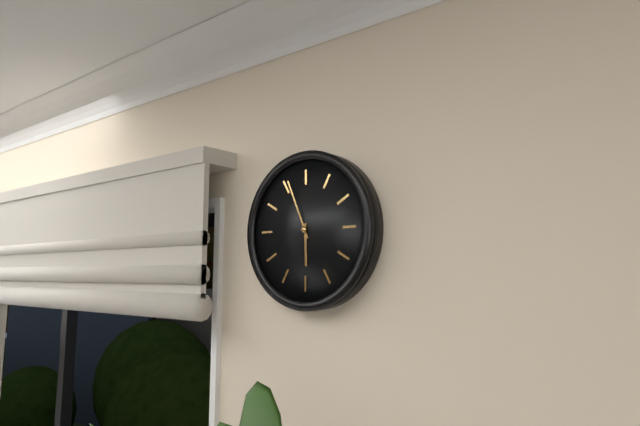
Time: h=5 m=56
